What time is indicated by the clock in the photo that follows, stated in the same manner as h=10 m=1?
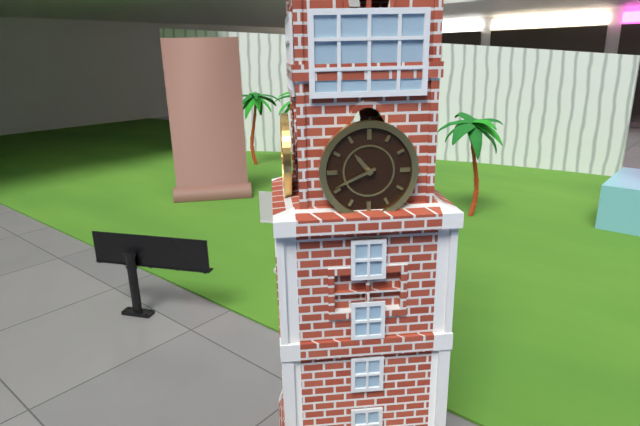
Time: h=10 m=41
